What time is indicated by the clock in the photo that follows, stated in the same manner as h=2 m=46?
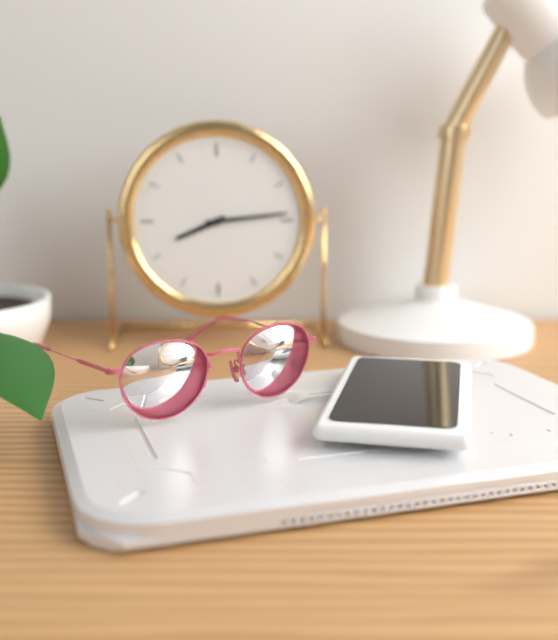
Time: h=8 m=14
